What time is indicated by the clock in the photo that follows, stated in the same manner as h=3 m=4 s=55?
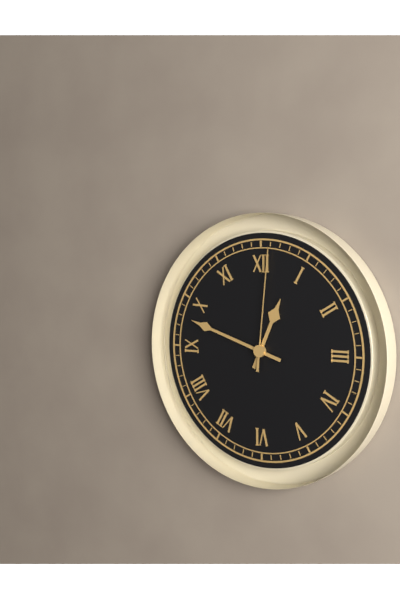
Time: h=12 m=48 s=1
